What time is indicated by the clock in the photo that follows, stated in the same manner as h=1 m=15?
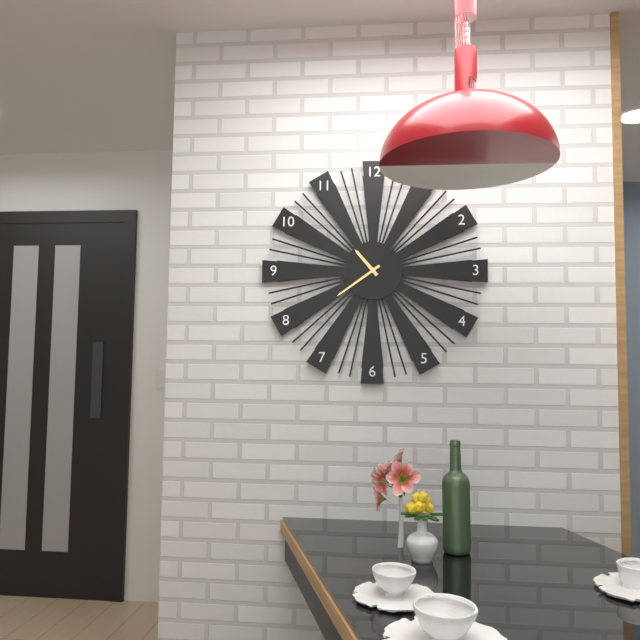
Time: h=10 m=39
